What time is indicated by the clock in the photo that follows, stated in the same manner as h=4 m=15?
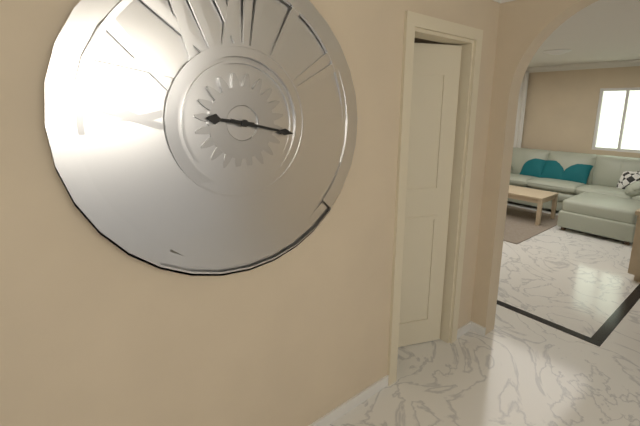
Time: h=9 m=17
